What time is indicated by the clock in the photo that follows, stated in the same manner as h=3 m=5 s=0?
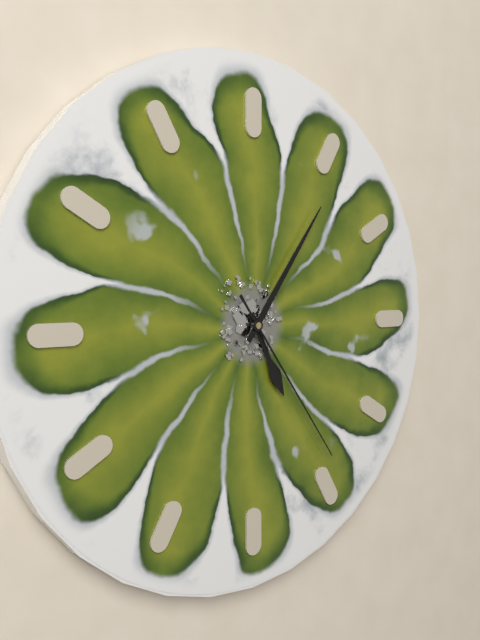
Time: h=5 m=6 s=24
